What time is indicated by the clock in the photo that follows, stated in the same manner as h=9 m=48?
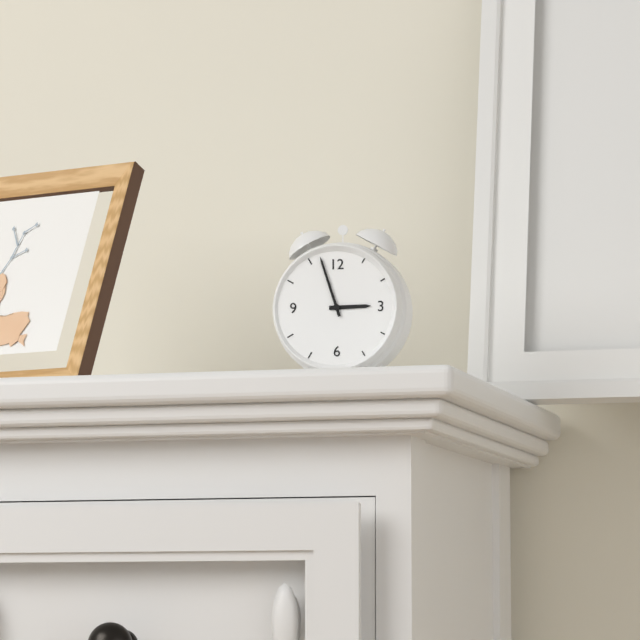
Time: h=2 m=57
